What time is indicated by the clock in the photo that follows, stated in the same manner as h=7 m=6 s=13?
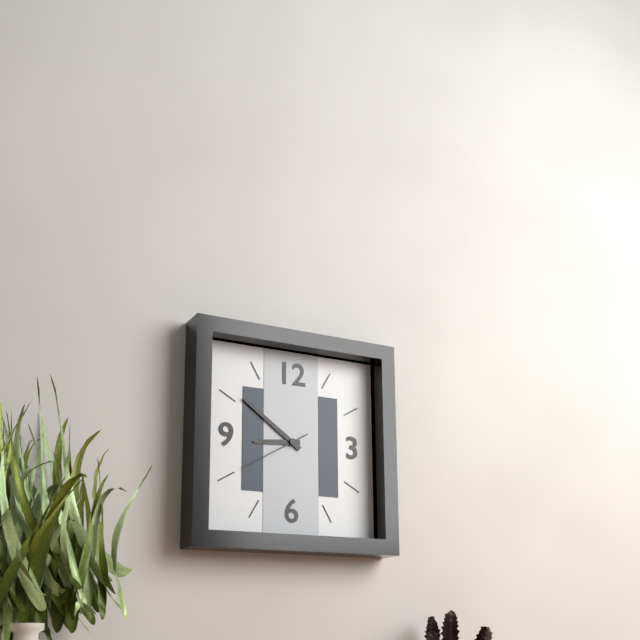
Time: h=8 m=51 s=40
